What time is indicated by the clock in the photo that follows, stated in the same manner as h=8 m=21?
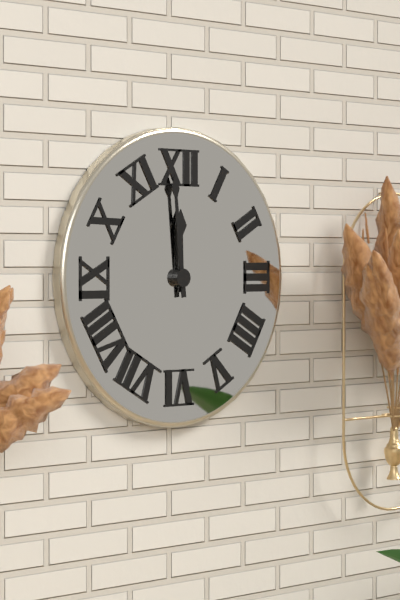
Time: h=11 m=59
